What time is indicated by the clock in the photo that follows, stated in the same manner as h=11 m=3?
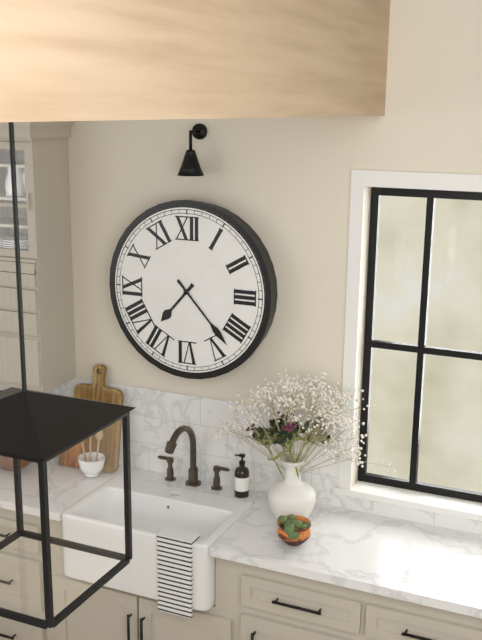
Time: h=7 m=23
